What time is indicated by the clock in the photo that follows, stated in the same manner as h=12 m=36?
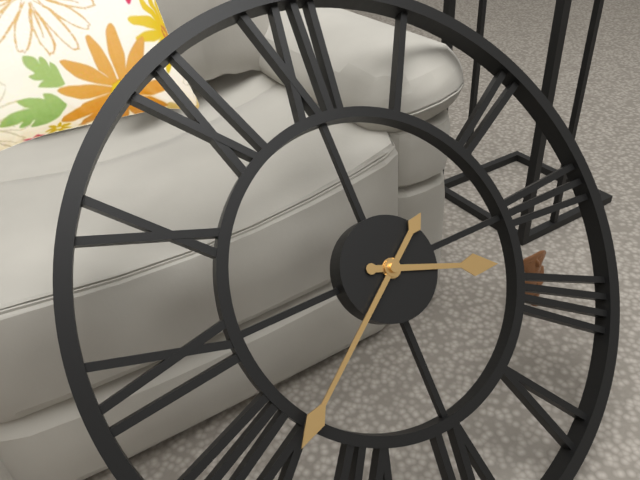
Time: h=3 m=39
